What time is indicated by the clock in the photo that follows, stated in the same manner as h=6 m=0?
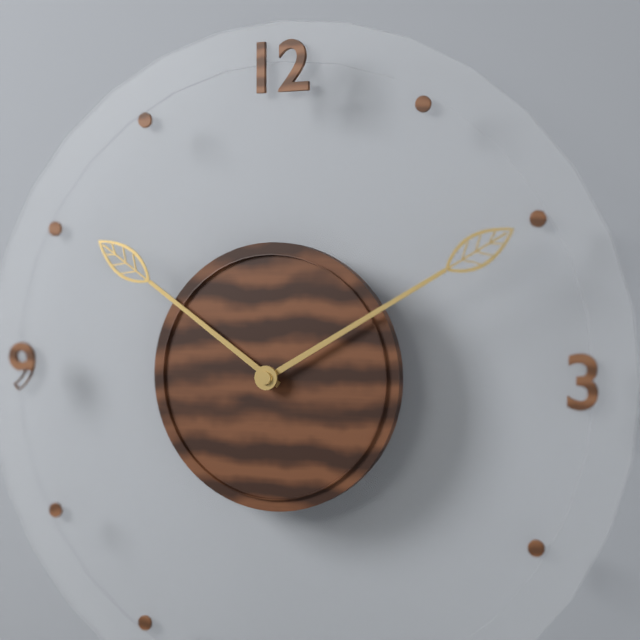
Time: h=10 m=10
